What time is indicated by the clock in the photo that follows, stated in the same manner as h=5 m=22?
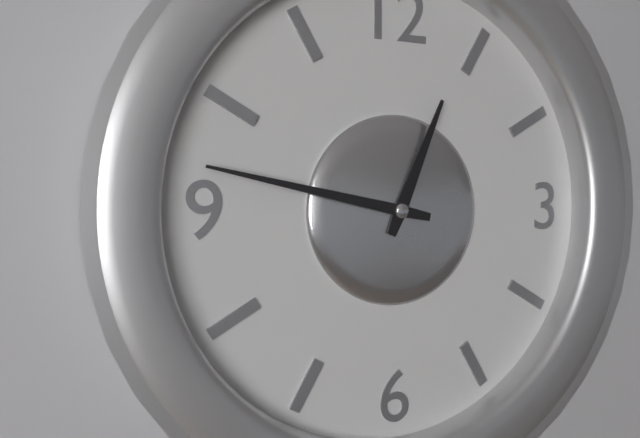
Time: h=12 m=47
